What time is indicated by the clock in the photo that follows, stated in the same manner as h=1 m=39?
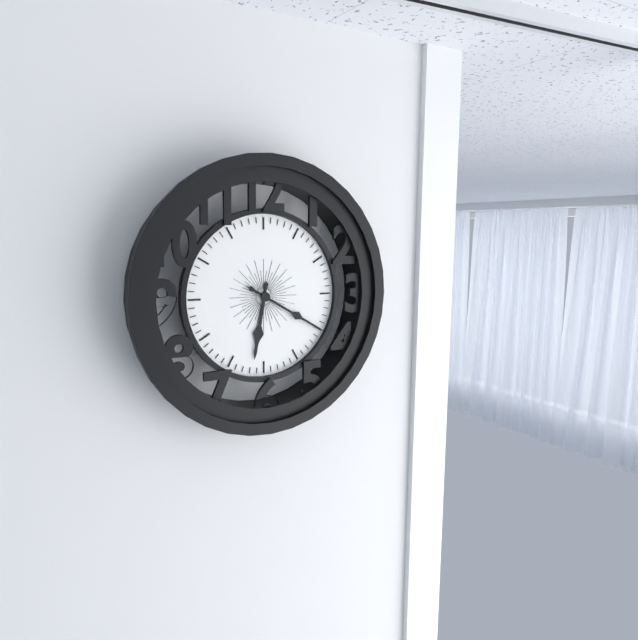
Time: h=6 m=20
